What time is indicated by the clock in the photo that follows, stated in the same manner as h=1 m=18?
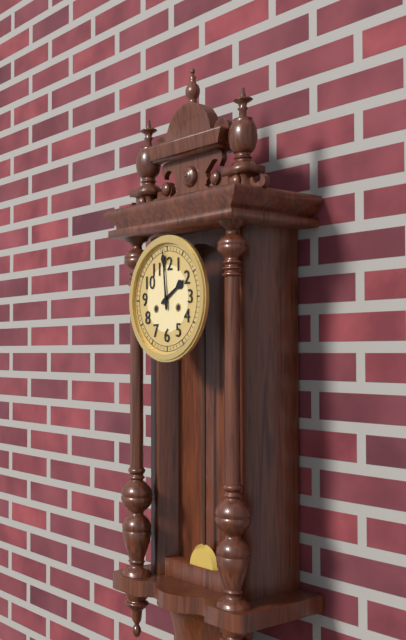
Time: h=1 m=59
